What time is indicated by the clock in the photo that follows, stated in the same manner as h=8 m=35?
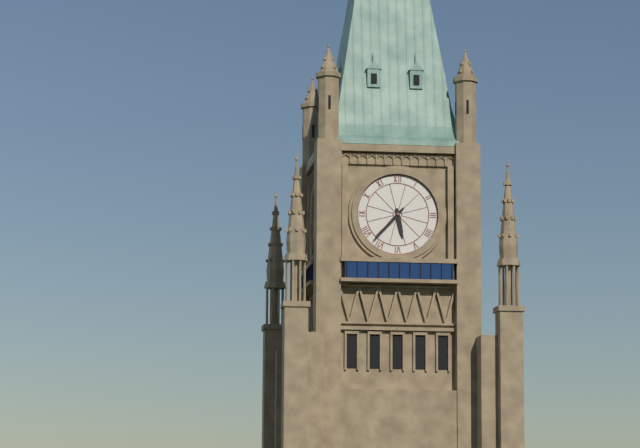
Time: h=5 m=37
